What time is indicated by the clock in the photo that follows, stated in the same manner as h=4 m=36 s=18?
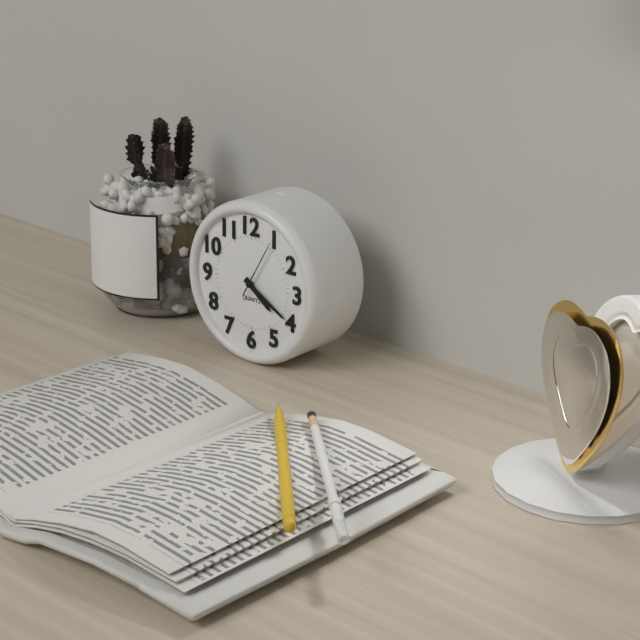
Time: h=4 m=20 s=5
